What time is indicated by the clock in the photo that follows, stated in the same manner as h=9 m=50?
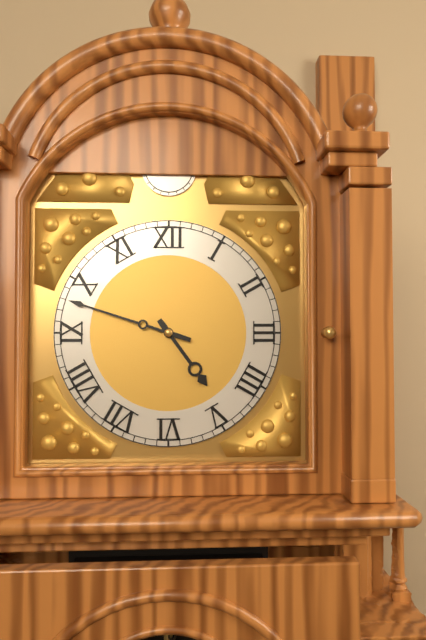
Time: h=4 m=48
